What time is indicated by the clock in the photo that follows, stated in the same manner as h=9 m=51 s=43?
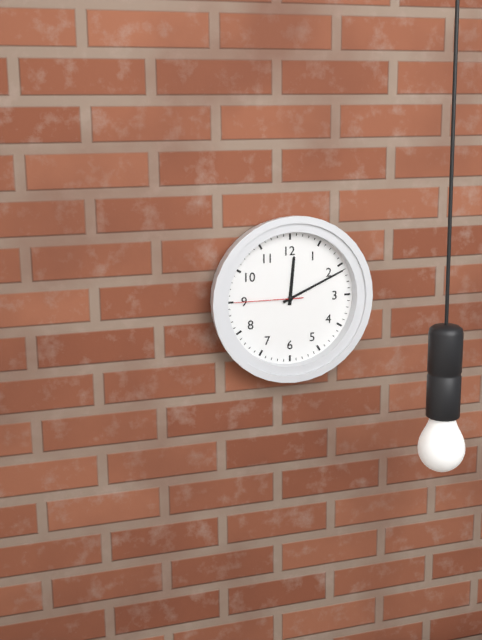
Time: h=12 m=11 s=45
